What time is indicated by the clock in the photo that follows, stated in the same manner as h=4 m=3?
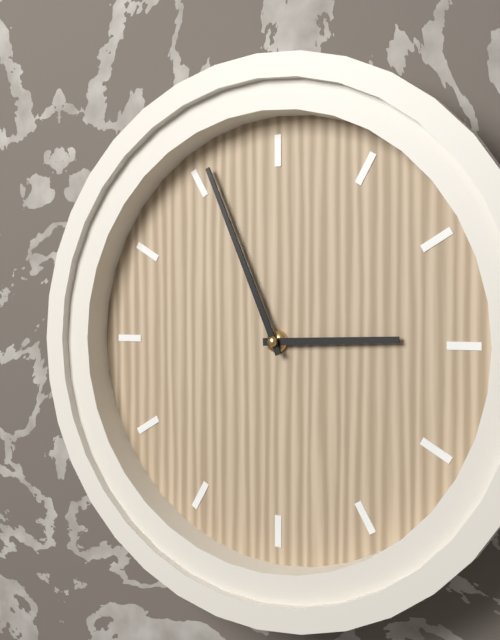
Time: h=2 m=56
